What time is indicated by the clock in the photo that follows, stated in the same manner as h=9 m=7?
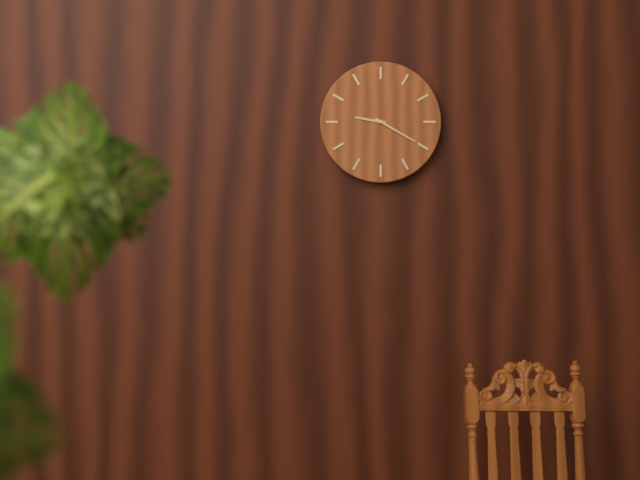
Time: h=9 m=20
